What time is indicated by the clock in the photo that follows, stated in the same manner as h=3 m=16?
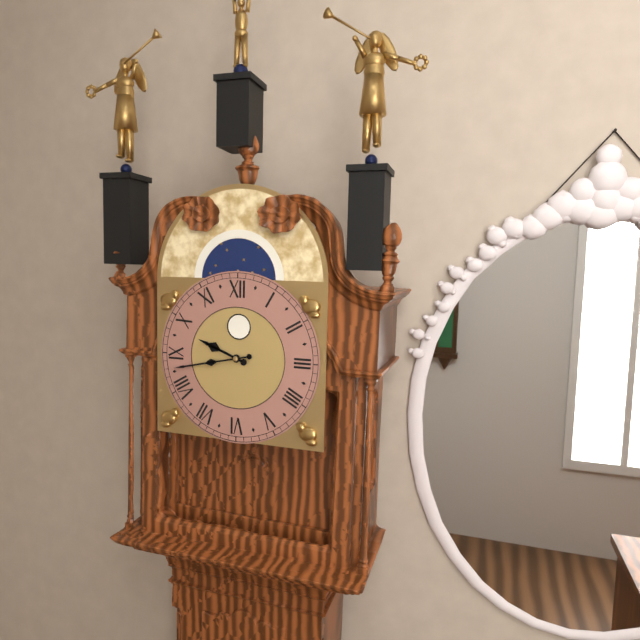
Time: h=9 m=43
